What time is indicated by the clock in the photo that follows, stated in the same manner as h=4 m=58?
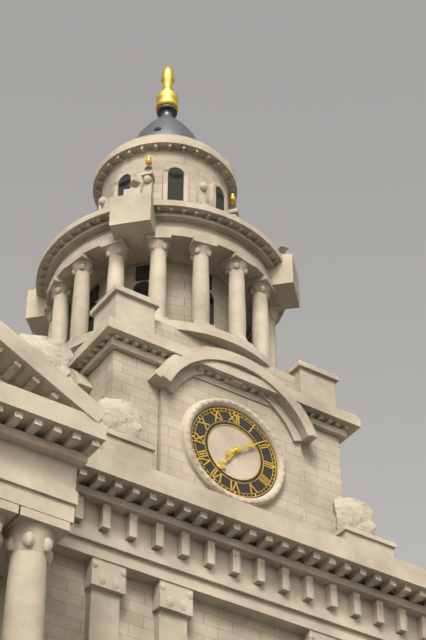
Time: h=7 m=9
